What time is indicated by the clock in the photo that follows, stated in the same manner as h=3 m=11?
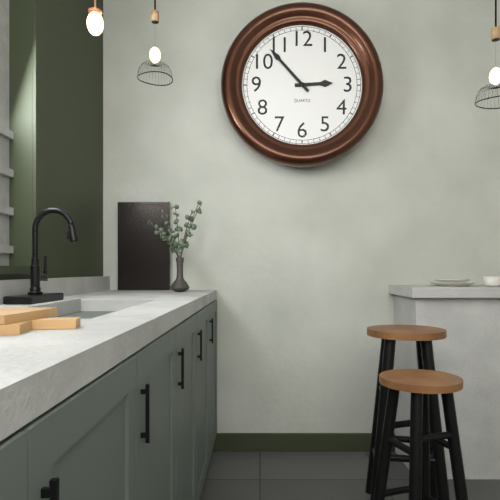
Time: h=2 m=53
